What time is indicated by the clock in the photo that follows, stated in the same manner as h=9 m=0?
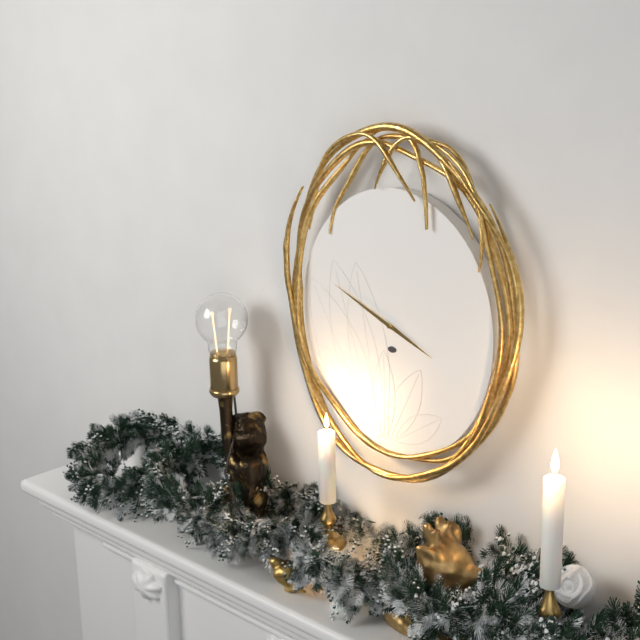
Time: h=3 m=49
